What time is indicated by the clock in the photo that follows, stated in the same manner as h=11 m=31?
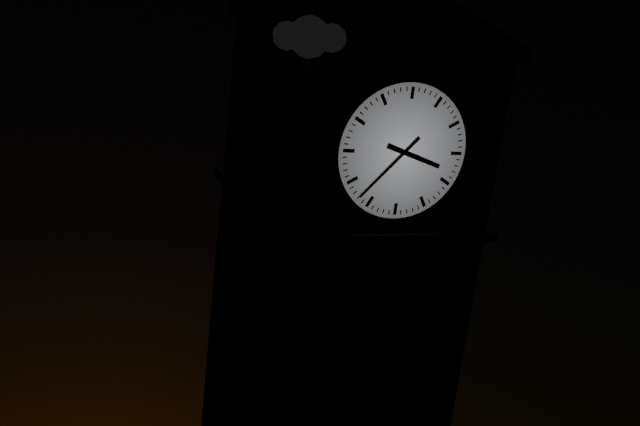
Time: h=3 m=37
